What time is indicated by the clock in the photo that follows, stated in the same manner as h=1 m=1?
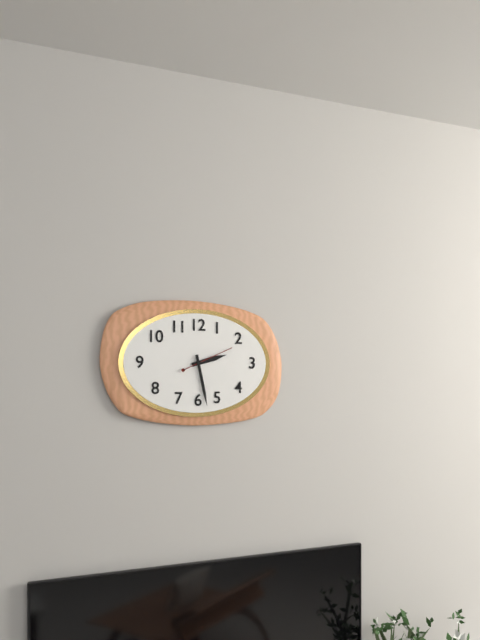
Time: h=2 m=28
